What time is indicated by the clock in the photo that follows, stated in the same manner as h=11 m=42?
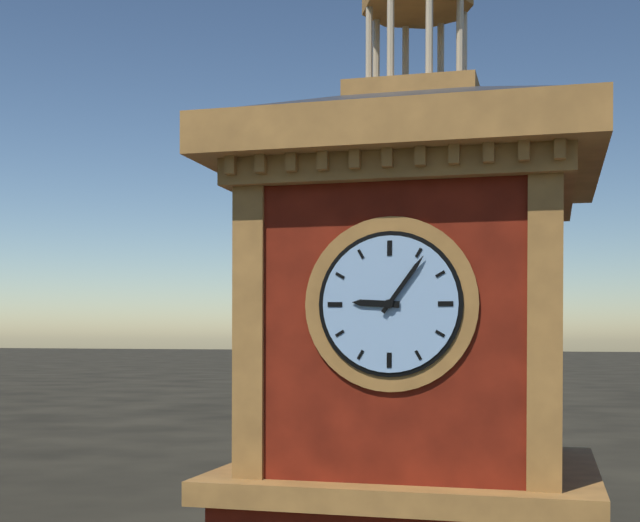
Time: h=9 m=6
